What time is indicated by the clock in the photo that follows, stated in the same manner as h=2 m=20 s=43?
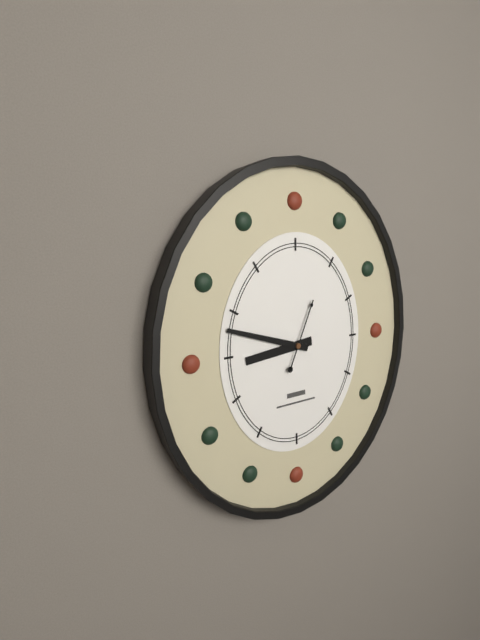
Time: h=8 m=48 s=4
